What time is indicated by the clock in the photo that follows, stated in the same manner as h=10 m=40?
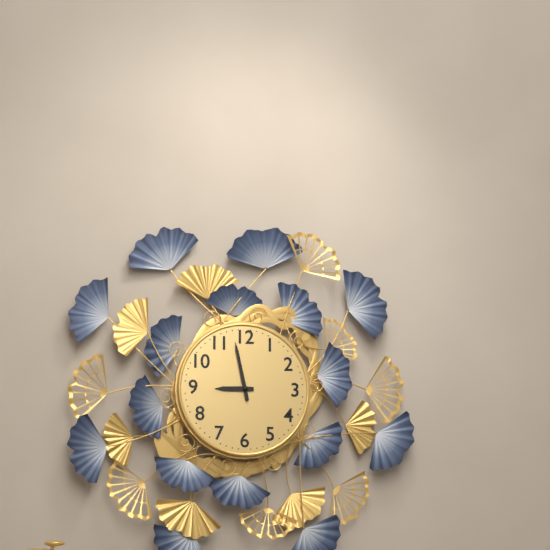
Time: h=8 m=58
